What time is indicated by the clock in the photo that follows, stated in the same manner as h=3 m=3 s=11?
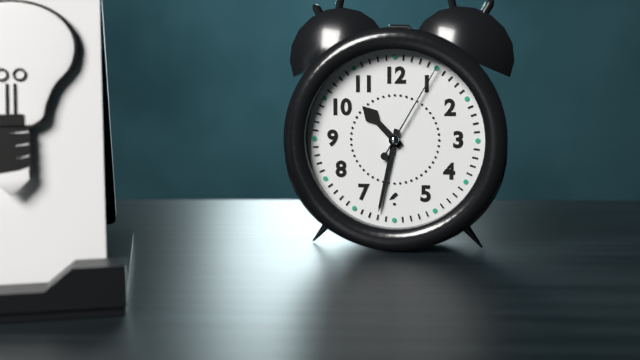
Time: h=10 m=32 s=5
